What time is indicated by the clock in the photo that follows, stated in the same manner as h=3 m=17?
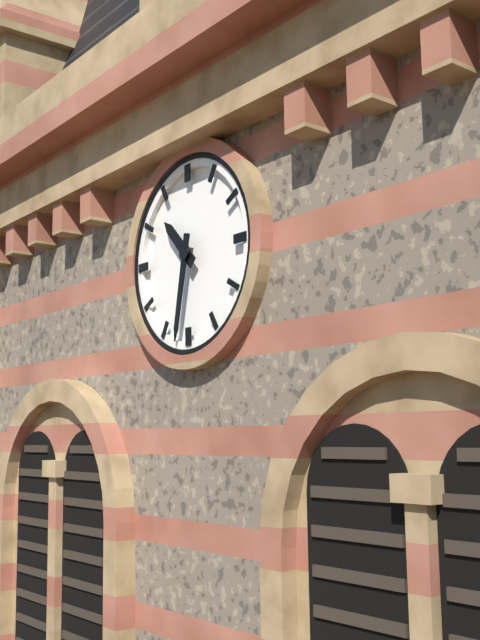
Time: h=10 m=32
